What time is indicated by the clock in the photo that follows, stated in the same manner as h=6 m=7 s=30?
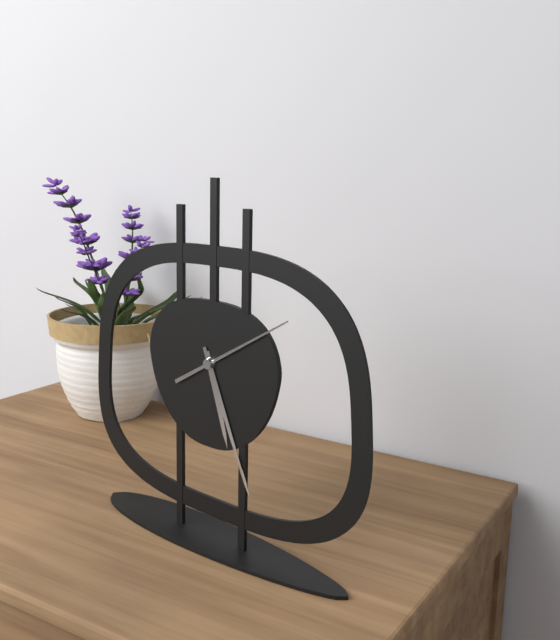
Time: h=5 m=26 s=10
